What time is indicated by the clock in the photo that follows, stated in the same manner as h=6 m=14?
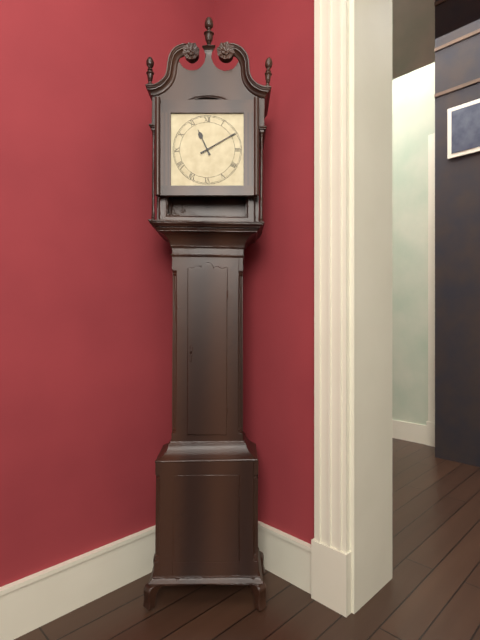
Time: h=11 m=10
